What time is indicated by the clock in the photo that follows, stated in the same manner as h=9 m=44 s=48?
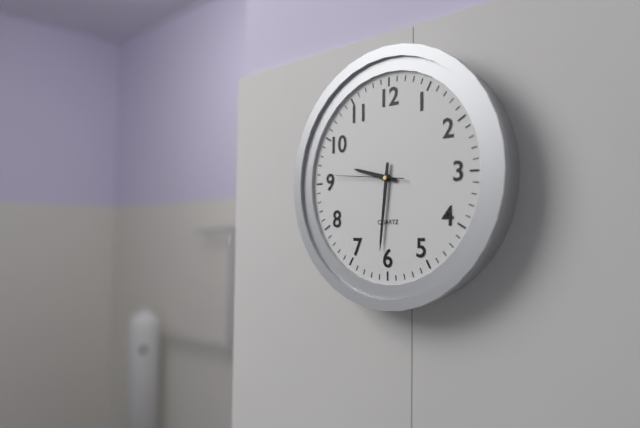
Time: h=9 m=31 s=46
